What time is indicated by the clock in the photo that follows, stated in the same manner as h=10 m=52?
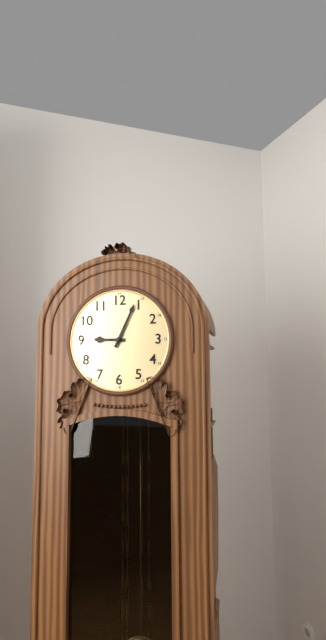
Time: h=9 m=4
